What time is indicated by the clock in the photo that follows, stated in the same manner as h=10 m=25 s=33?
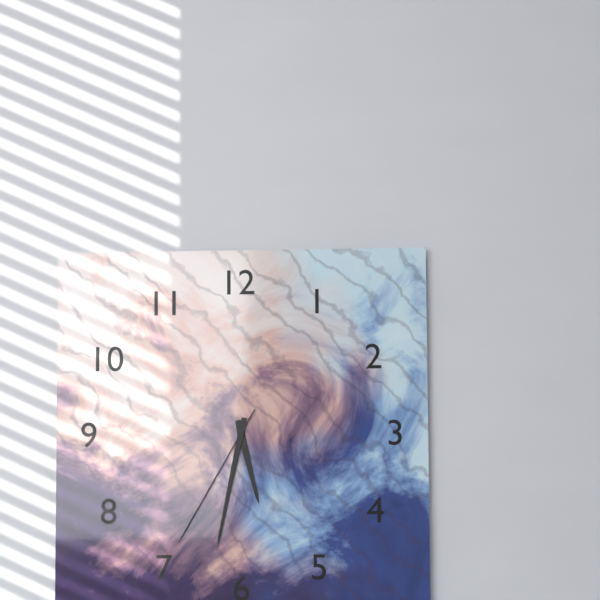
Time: h=5 m=32 s=35
